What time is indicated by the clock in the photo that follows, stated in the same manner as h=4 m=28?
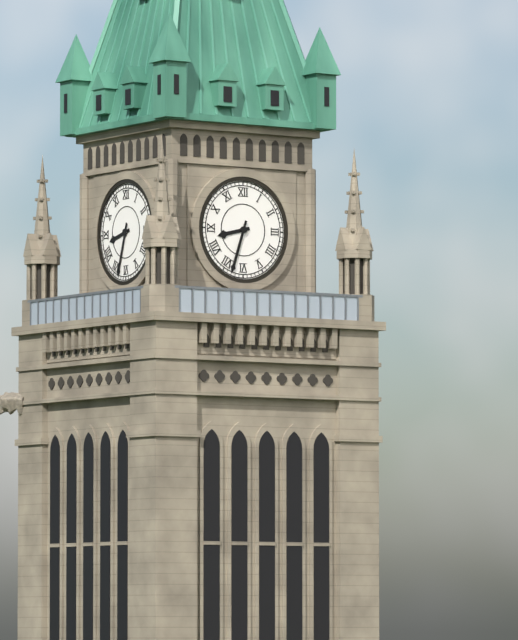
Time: h=8 m=33
